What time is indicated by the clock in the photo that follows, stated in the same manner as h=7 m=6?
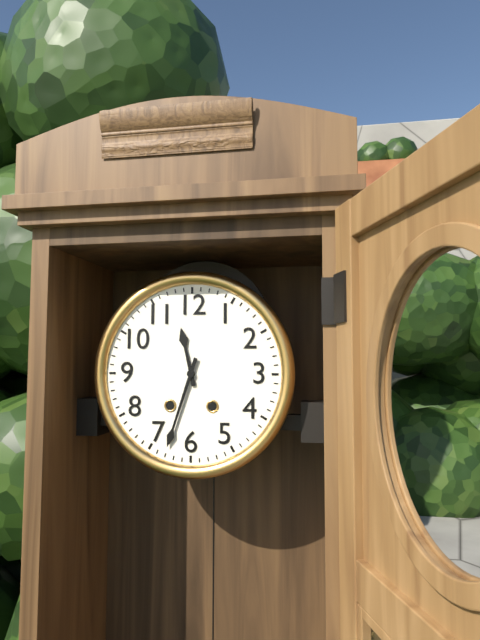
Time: h=11 m=33
